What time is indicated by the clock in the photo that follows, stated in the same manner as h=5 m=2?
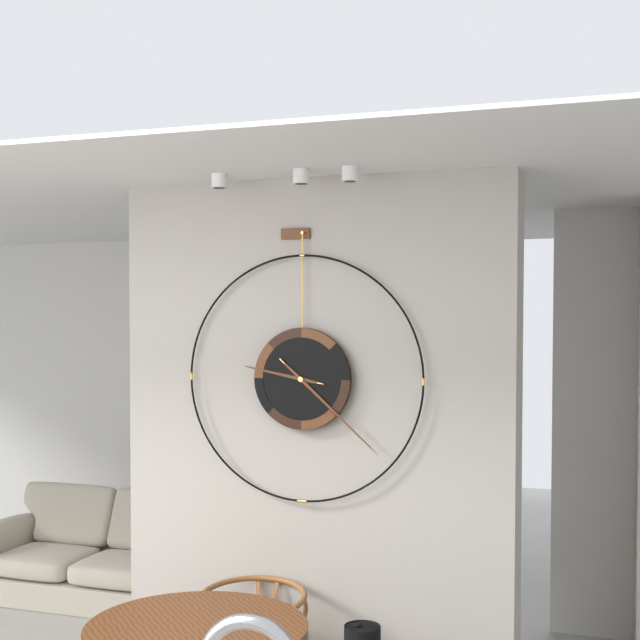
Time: h=9 m=22
